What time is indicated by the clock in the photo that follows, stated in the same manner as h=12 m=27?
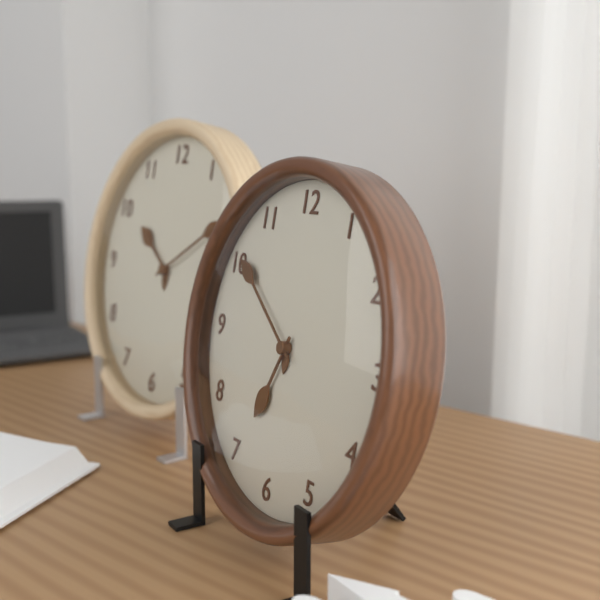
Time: h=6 m=51
